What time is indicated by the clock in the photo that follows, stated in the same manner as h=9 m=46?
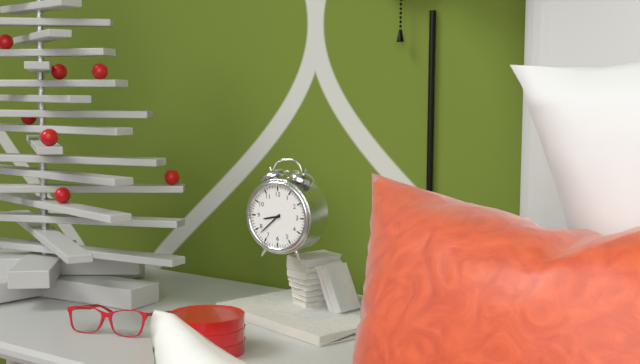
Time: h=8 m=38
